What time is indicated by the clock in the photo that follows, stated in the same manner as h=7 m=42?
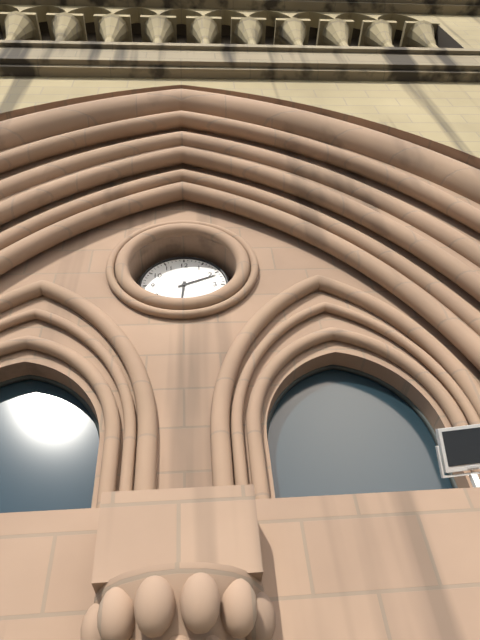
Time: h=6 m=11
